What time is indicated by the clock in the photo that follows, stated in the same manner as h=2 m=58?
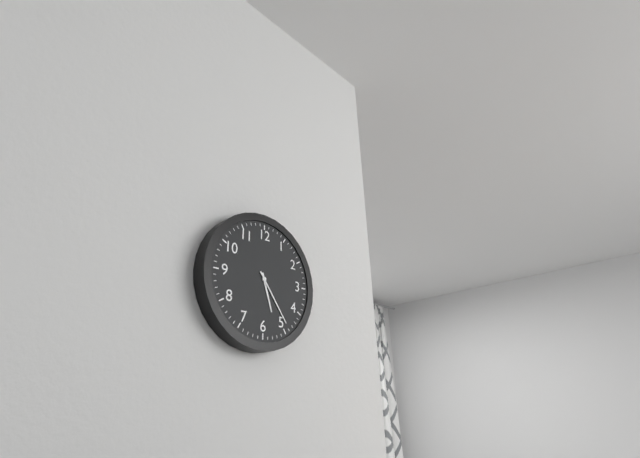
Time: h=5 m=24
